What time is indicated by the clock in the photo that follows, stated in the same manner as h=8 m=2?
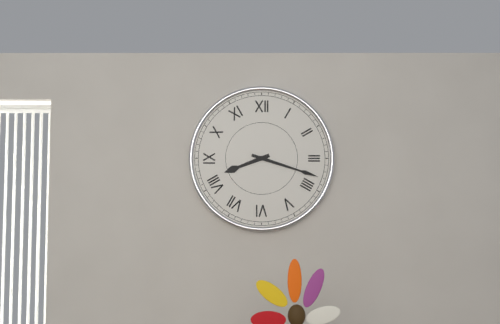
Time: h=8 m=18
